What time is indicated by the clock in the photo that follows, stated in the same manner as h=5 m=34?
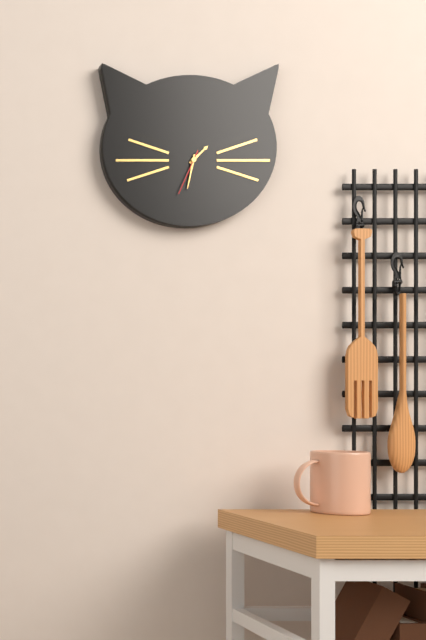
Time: h=1 m=32
